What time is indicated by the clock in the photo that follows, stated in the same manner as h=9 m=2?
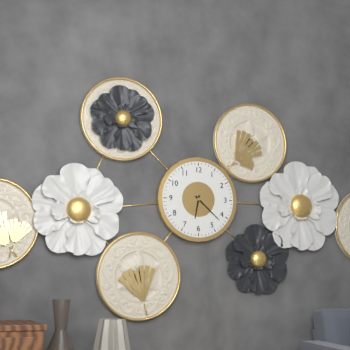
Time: h=6 m=22
